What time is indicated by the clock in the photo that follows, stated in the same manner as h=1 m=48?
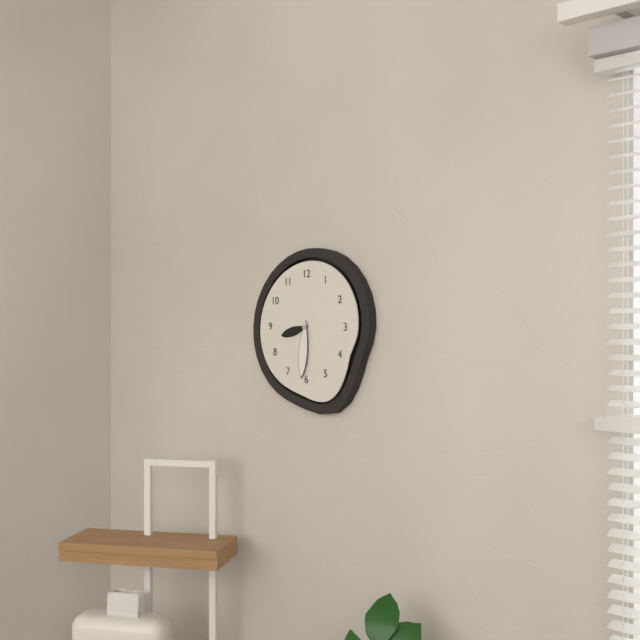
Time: h=8 m=31
